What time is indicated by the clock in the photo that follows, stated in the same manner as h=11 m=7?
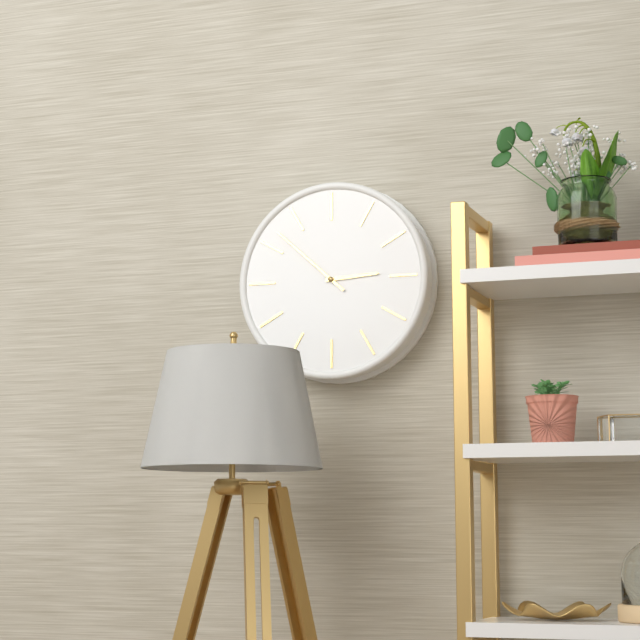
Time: h=2 m=52
